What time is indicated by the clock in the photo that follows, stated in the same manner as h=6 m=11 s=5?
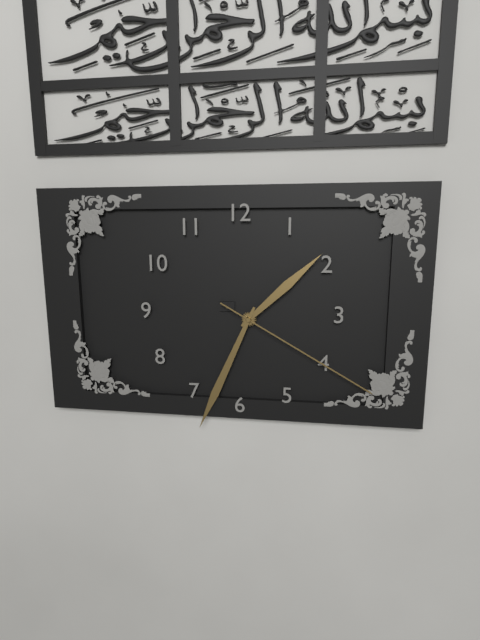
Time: h=1 m=34 s=20
